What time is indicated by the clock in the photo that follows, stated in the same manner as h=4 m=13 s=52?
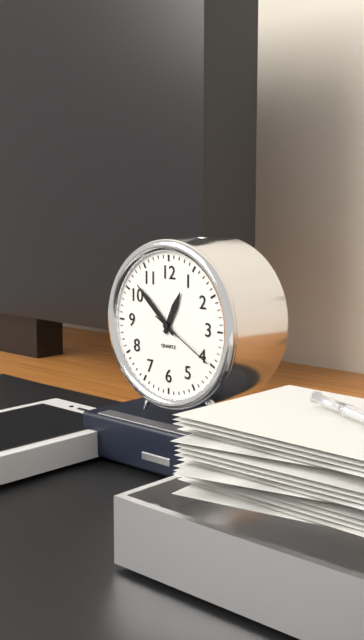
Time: h=12 m=52 s=20
